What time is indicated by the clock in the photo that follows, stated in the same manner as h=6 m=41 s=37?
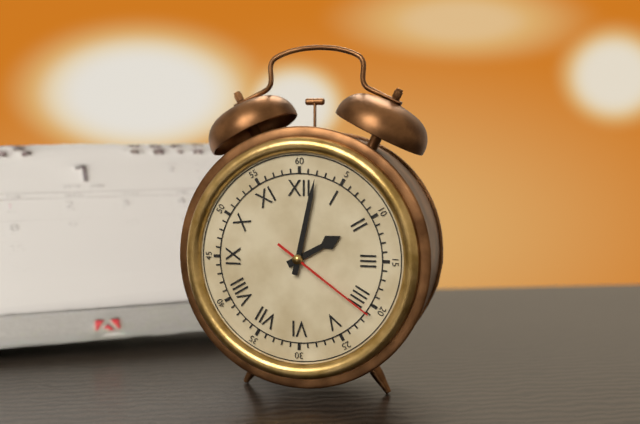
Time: h=2 m=2 s=21
